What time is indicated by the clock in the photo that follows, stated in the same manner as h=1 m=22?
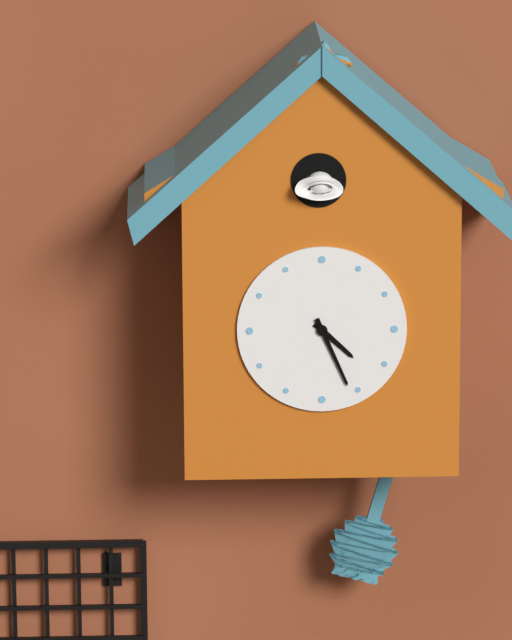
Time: h=4 m=26
